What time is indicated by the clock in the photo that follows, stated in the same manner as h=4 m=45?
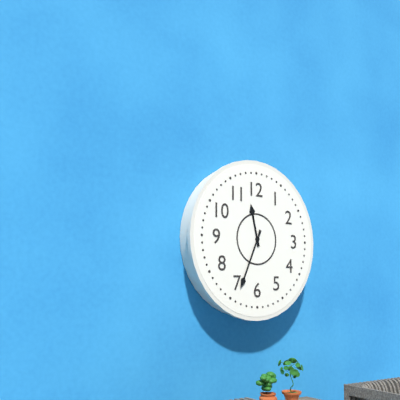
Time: h=11 m=34
